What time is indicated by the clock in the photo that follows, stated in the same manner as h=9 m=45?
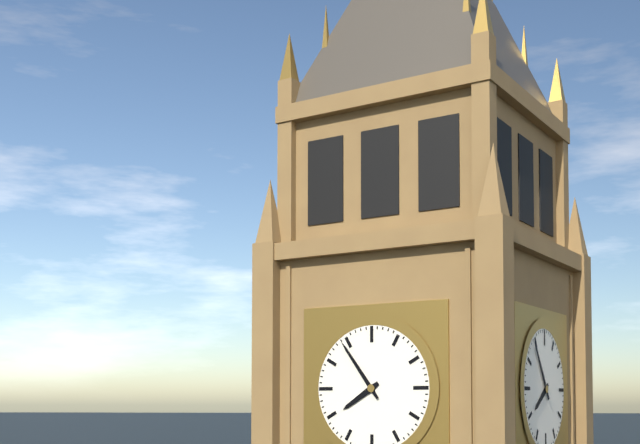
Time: h=7 m=54
